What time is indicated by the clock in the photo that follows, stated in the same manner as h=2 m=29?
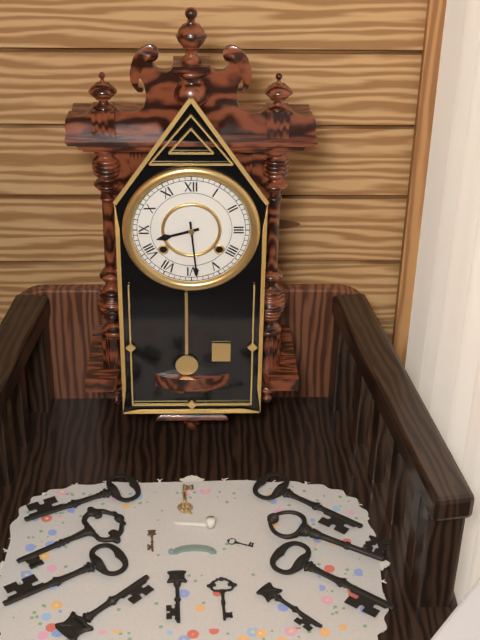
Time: h=8 m=29
